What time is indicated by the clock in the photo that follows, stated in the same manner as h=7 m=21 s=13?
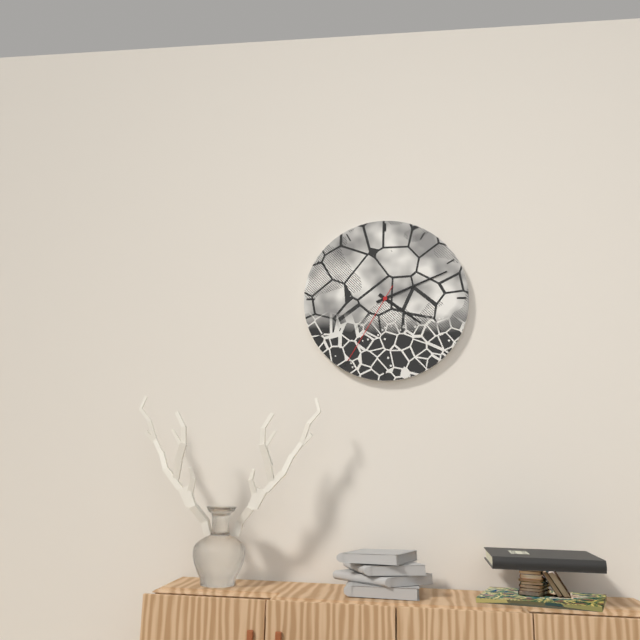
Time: h=4 m=11 s=35
